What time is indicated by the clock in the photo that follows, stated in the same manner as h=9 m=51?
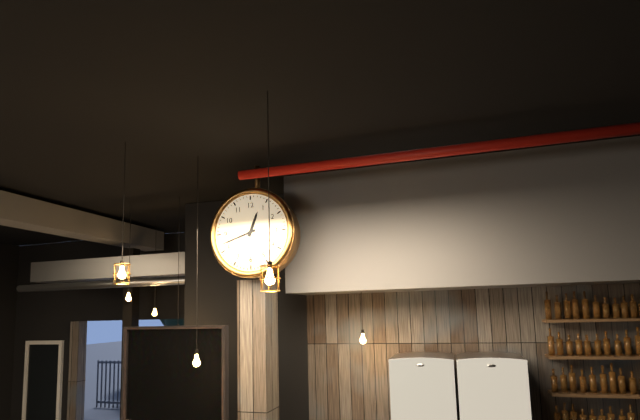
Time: h=12 m=42
